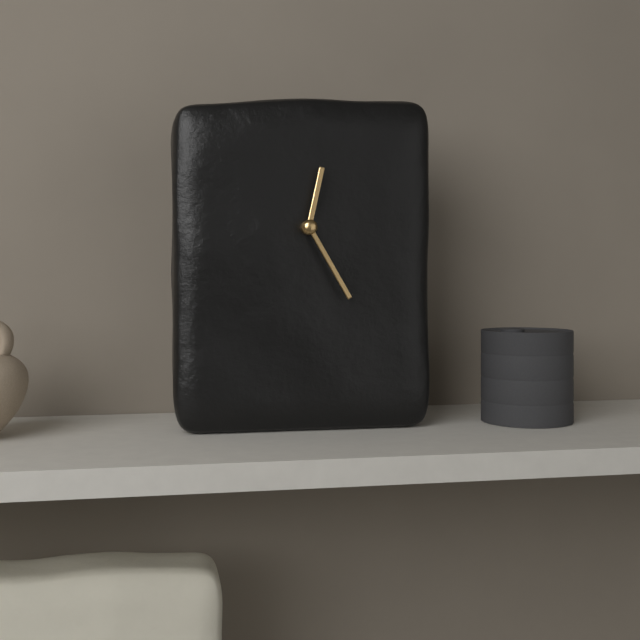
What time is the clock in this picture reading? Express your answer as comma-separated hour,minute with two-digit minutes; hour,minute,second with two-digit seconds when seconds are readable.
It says 12,25
